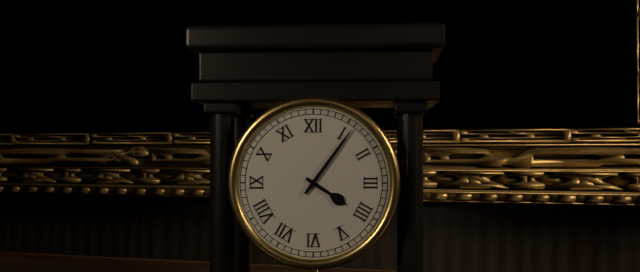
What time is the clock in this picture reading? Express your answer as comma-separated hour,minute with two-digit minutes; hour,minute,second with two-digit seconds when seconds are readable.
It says 4,06
